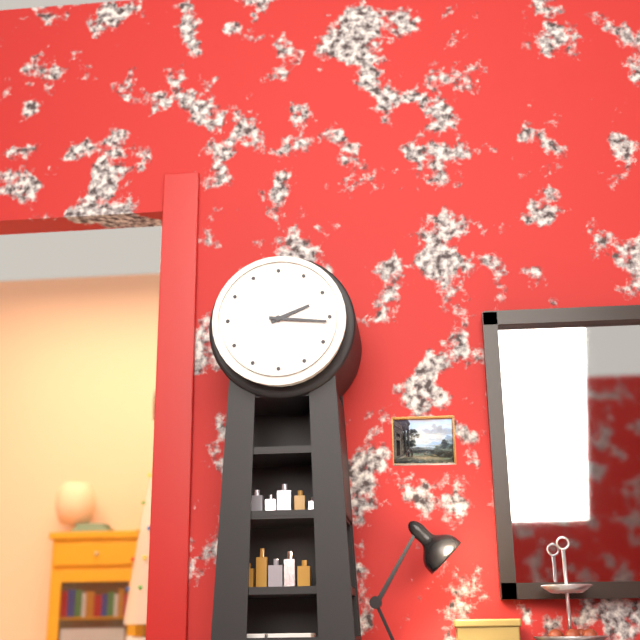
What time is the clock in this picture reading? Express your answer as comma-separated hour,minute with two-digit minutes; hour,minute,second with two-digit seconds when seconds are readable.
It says 2,16
